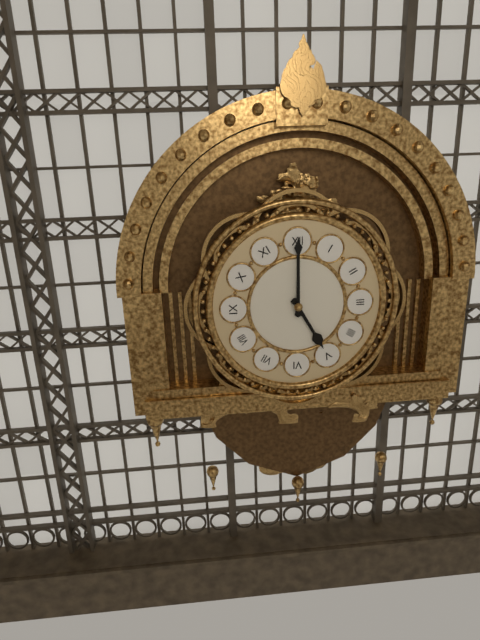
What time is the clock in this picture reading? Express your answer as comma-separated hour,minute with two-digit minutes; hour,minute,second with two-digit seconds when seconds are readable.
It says 5,00
